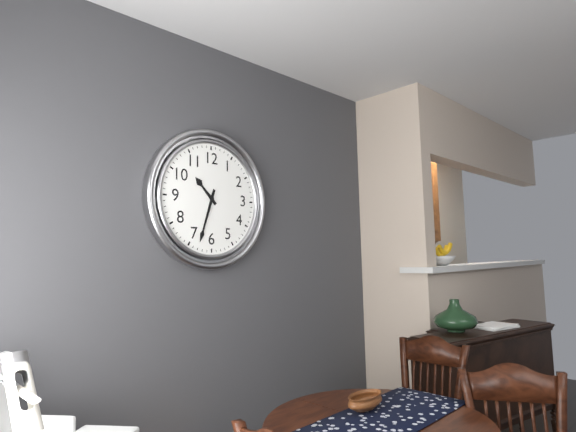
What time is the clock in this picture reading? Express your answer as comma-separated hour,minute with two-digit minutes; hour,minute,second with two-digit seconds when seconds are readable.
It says 10,33
